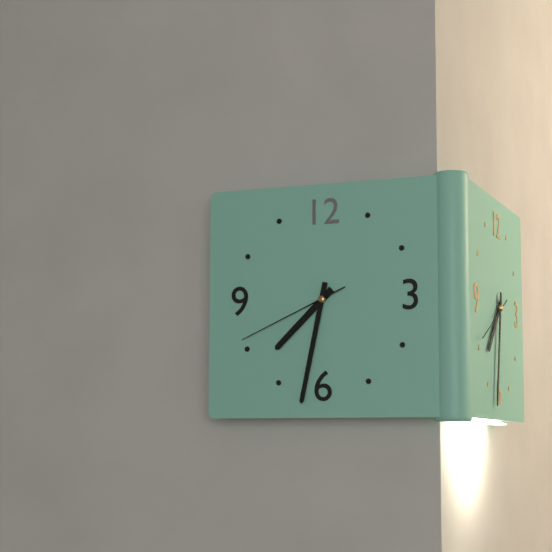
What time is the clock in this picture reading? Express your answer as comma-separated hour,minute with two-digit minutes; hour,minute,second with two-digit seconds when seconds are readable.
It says 7,32,41
